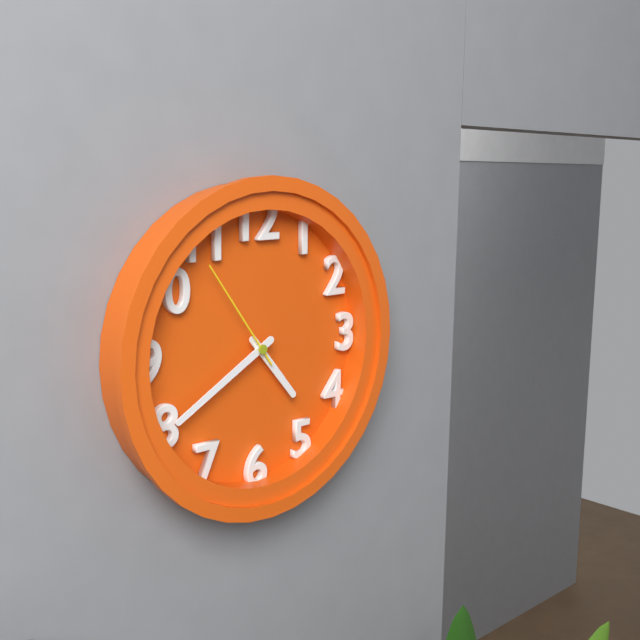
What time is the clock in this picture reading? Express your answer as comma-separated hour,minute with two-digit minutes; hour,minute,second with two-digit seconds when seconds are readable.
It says 4,40,54
